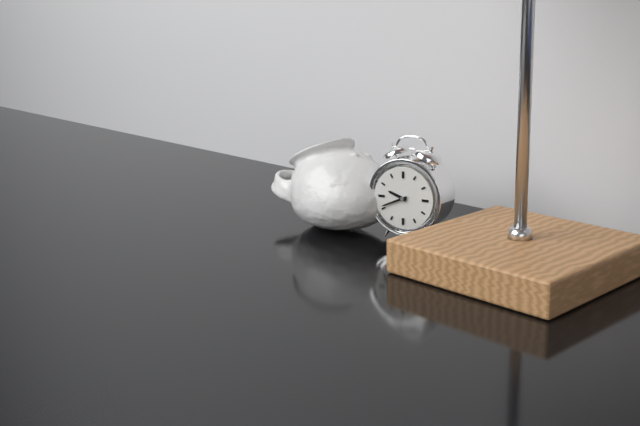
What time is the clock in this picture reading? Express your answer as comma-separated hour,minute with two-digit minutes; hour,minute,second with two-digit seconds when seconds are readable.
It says 9,41
